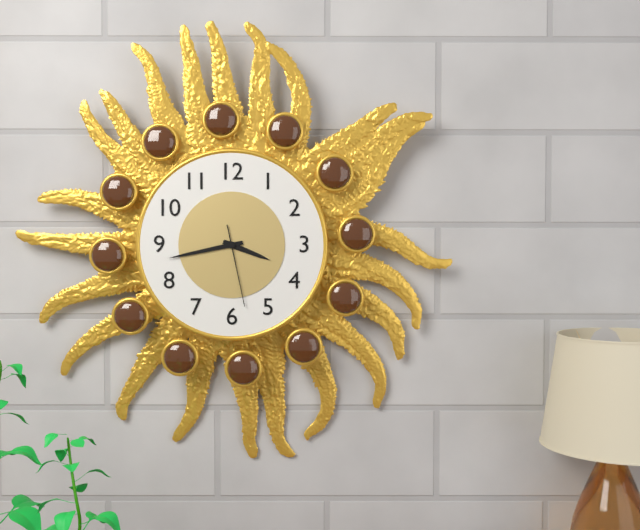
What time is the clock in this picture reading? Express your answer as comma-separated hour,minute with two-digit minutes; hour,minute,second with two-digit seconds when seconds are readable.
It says 3,43,28
